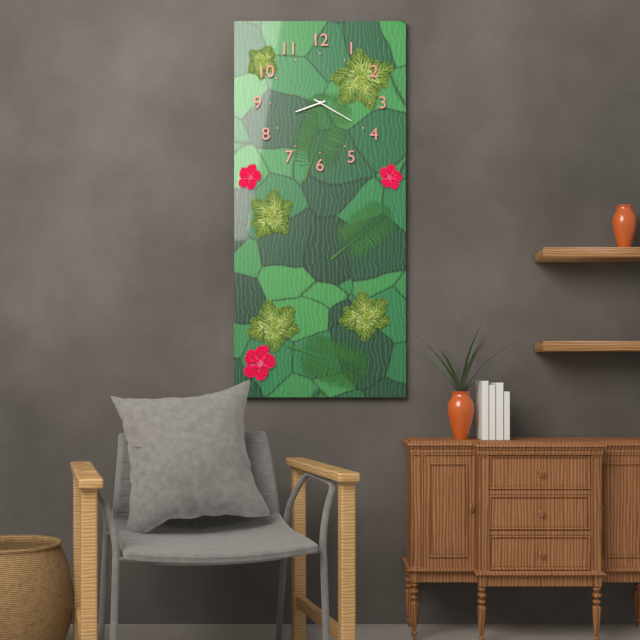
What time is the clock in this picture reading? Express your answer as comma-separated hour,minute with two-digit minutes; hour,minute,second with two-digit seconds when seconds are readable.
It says 8,20
